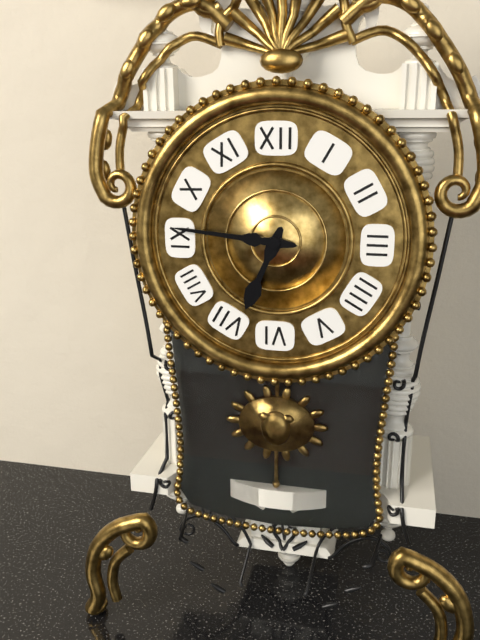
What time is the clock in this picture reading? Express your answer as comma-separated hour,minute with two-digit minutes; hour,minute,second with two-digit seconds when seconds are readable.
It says 6,46
